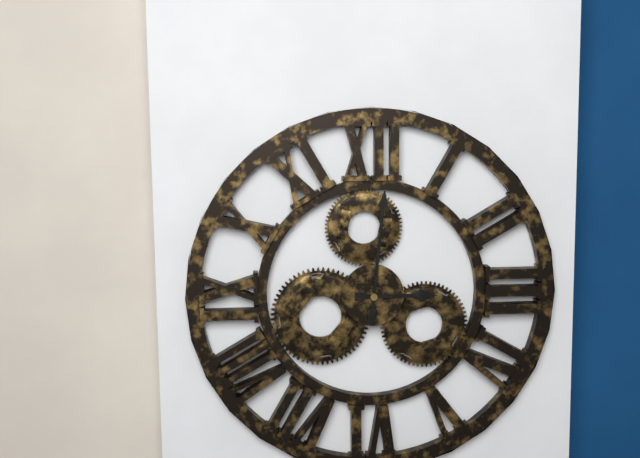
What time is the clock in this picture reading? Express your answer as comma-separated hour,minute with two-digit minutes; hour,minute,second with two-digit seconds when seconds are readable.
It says 3,01
